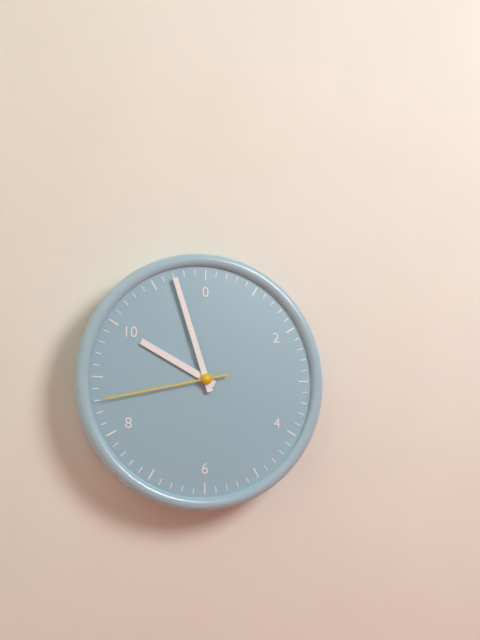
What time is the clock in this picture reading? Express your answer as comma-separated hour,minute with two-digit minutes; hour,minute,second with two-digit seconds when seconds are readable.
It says 9,57,43
